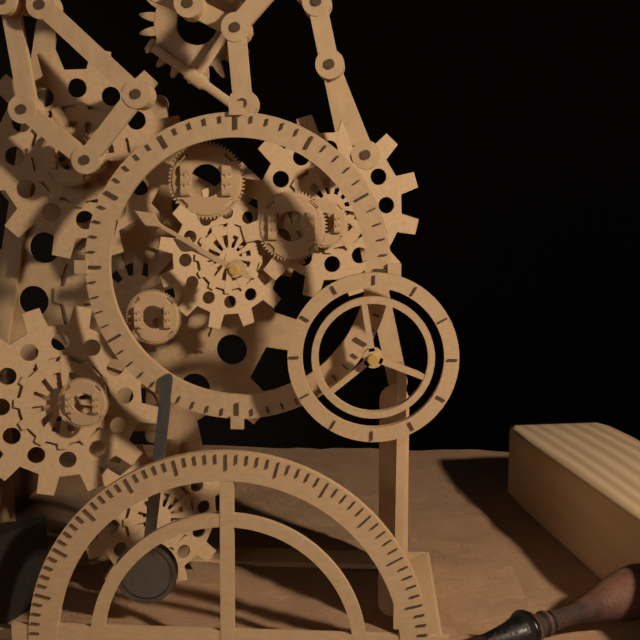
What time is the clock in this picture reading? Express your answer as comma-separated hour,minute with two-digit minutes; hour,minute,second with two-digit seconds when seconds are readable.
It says 9,50
